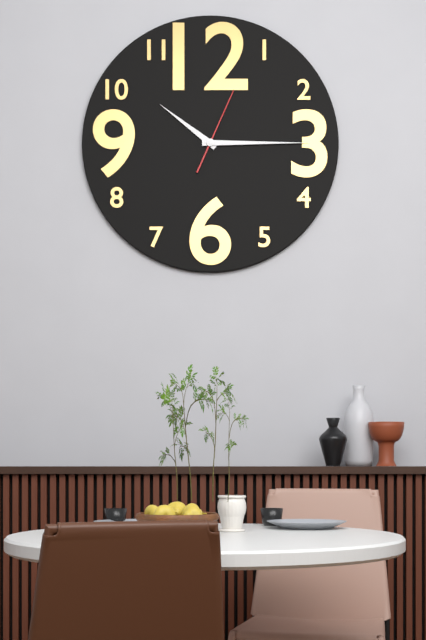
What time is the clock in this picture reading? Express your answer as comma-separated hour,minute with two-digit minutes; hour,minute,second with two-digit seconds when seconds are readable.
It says 10,15,04
